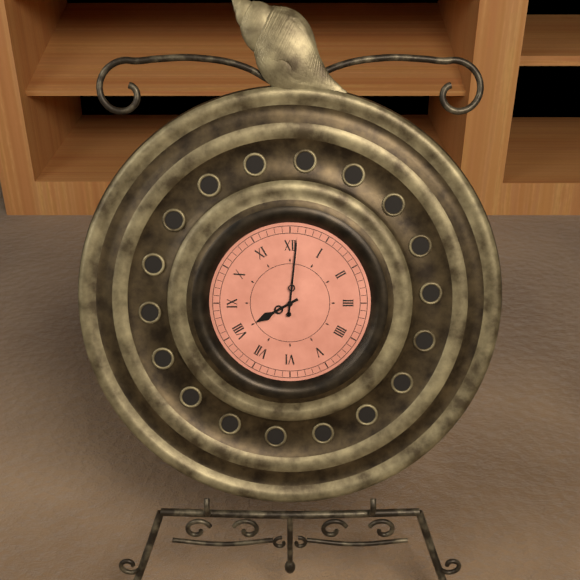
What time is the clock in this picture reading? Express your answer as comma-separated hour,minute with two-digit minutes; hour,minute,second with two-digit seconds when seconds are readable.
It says 8,01
